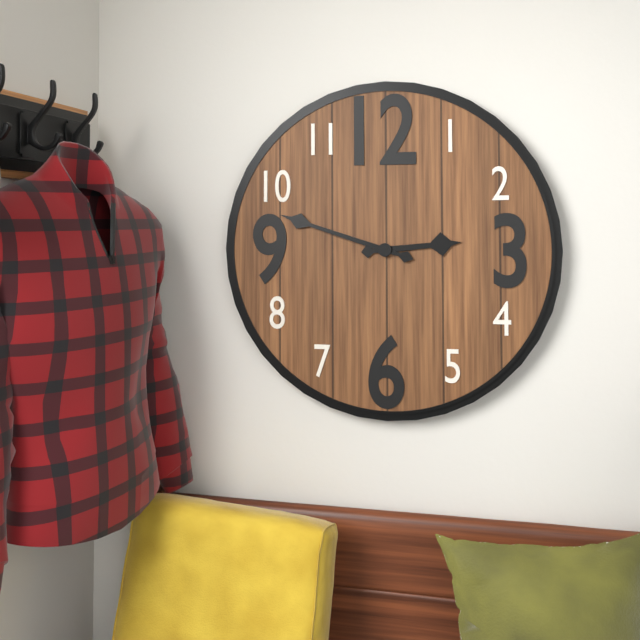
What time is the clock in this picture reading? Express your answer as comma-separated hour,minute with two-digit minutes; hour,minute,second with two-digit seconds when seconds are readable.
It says 2,48
